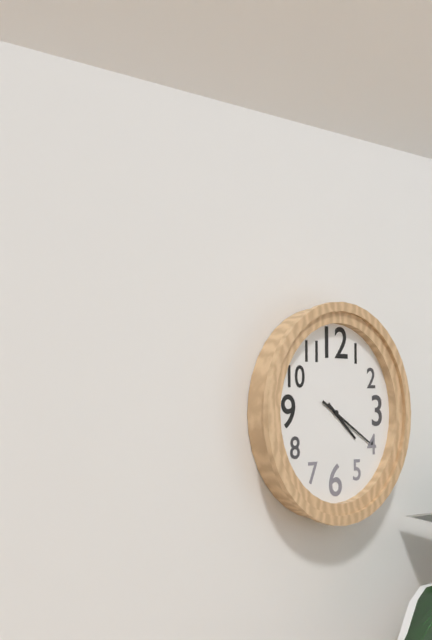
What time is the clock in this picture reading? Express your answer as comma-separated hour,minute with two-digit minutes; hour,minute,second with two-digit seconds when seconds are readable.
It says 4,20
